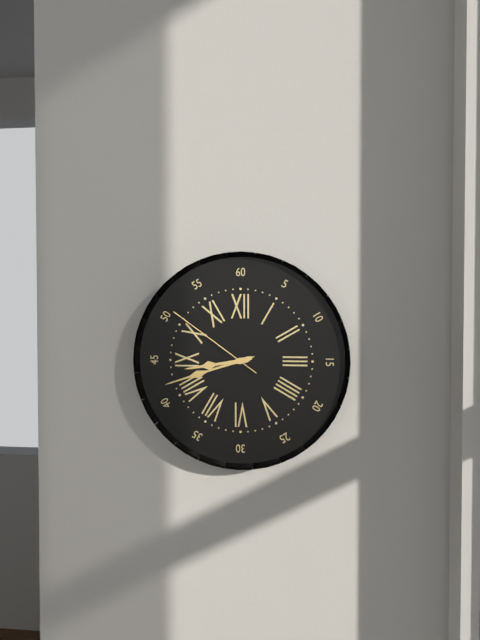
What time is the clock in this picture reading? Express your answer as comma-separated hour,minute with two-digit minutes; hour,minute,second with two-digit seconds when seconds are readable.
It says 8,42,51
